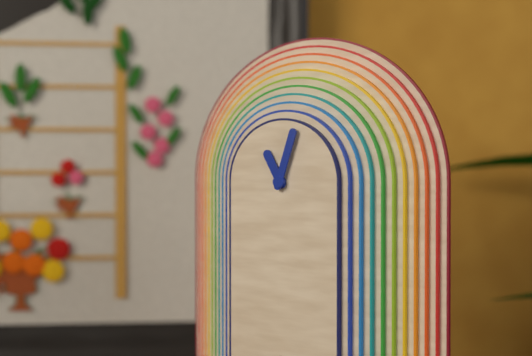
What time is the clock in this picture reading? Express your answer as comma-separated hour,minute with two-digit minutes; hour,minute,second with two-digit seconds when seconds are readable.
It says 11,03
